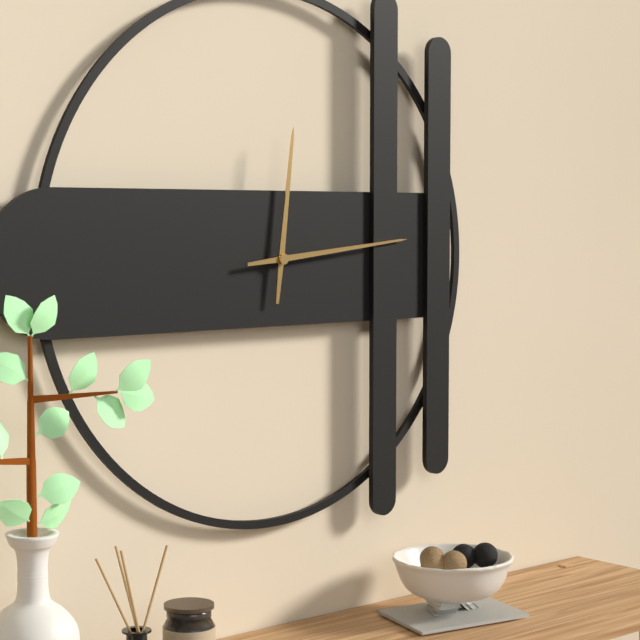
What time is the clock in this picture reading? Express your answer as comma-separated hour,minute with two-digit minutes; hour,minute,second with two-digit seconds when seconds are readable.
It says 12,14
